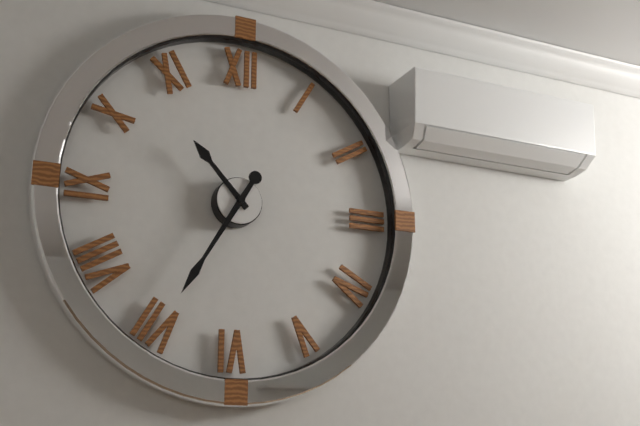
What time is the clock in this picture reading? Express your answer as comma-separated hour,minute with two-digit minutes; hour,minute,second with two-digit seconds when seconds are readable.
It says 10,35
